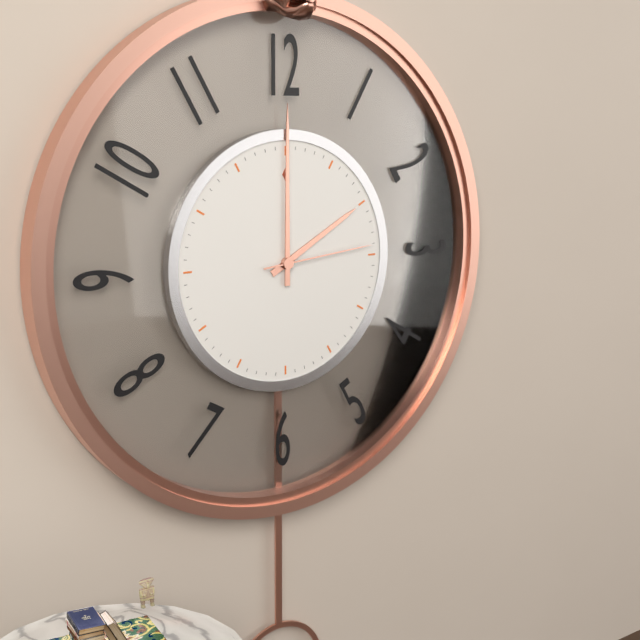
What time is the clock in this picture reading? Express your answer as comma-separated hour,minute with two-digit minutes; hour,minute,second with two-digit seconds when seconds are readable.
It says 2,00,14
